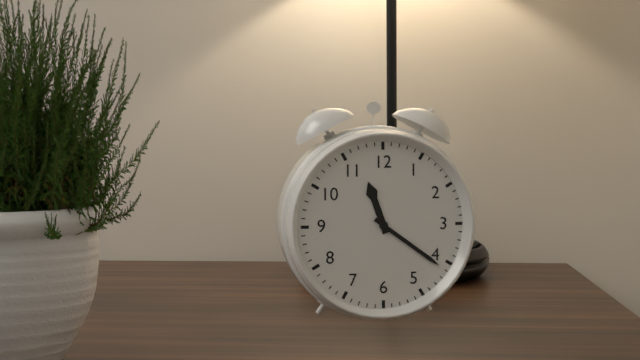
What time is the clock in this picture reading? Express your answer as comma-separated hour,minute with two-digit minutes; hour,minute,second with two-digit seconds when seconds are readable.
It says 11,21
